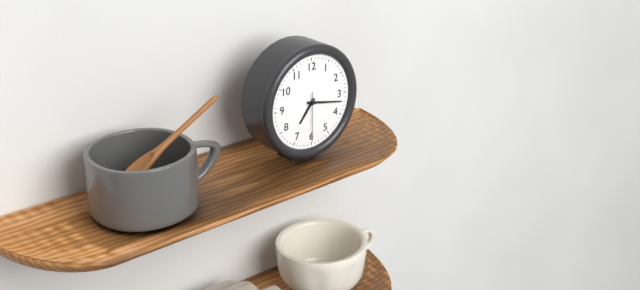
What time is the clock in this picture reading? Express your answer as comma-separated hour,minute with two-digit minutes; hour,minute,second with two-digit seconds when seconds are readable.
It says 7,17
